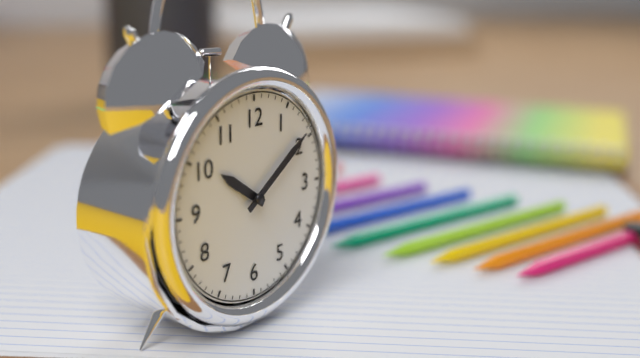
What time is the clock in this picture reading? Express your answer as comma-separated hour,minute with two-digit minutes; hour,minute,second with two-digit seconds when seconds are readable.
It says 10,09
